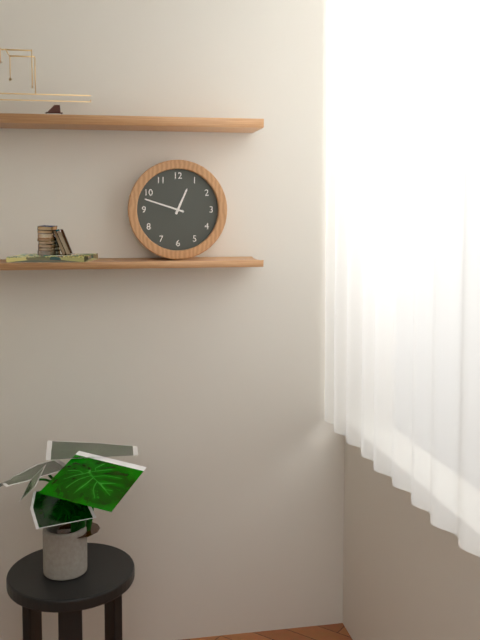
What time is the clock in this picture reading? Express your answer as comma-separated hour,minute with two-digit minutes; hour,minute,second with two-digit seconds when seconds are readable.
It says 12,48
